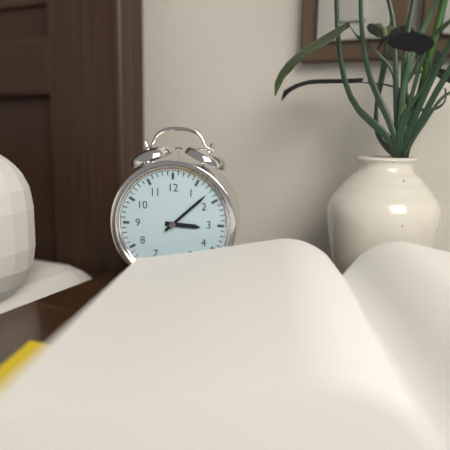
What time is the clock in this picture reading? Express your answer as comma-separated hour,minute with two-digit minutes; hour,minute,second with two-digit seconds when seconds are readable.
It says 3,08
